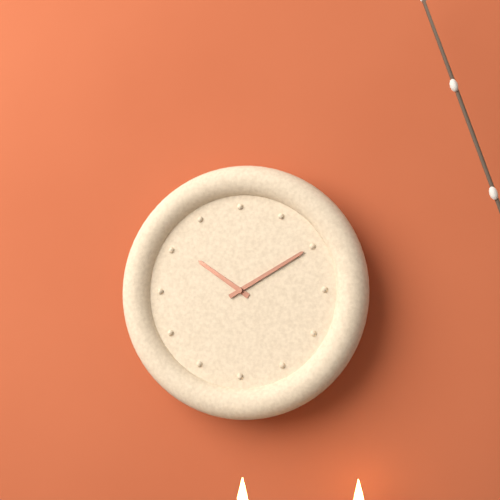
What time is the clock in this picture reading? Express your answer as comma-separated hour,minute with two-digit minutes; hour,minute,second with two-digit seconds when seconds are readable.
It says 10,10
